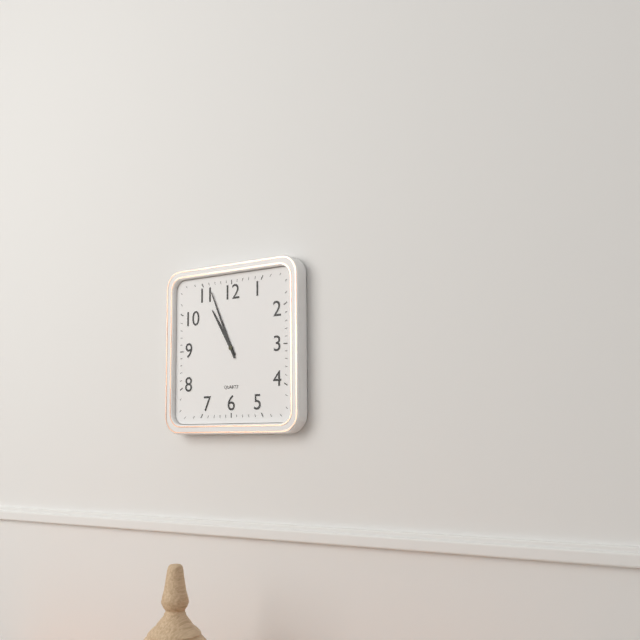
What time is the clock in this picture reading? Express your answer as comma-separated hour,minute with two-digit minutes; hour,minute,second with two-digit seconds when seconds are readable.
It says 10,56
